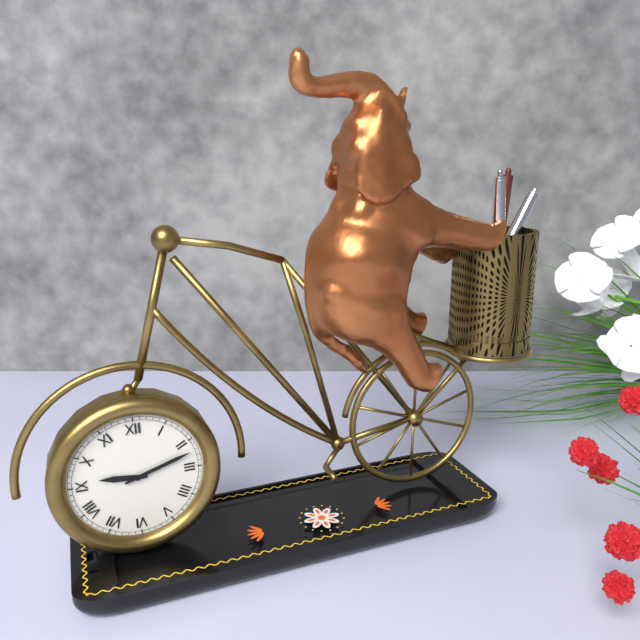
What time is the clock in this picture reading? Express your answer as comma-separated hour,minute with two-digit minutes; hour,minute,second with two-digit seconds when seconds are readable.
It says 9,12
